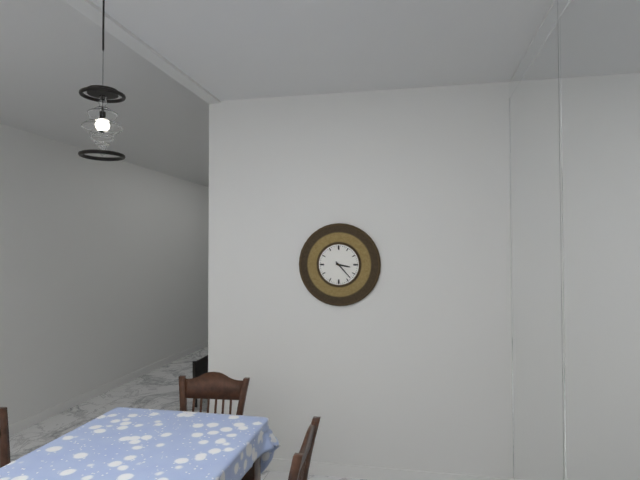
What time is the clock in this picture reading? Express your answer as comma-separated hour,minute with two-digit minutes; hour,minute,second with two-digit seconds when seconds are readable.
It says 3,23
